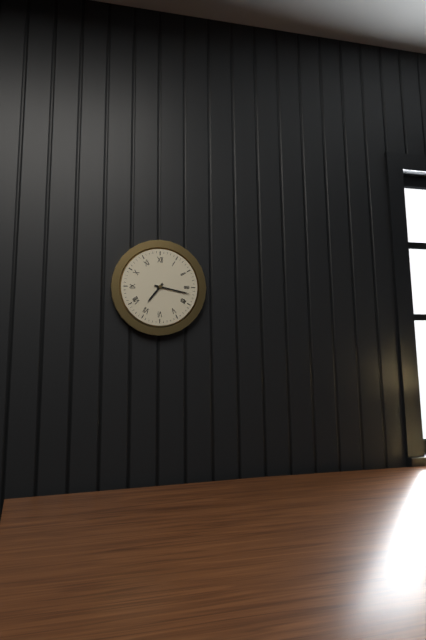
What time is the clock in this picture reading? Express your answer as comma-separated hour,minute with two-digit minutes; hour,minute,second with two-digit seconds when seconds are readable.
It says 7,17
